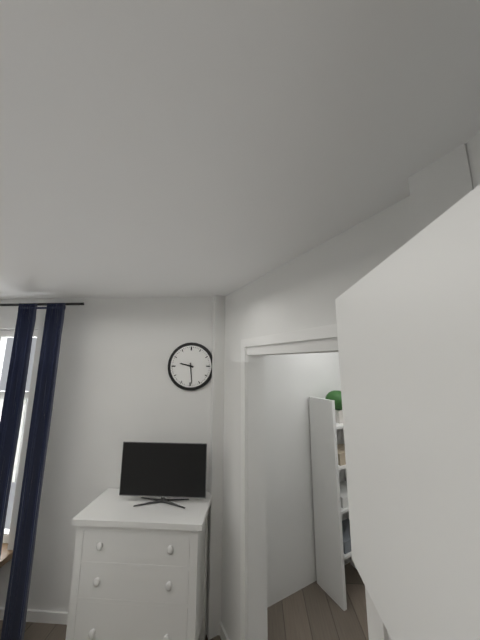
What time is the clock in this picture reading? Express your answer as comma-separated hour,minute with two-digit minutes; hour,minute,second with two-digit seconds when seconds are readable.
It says 9,29
